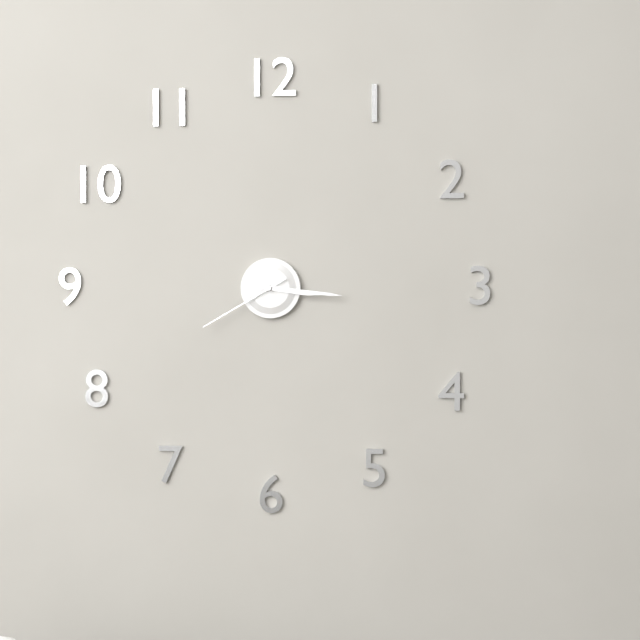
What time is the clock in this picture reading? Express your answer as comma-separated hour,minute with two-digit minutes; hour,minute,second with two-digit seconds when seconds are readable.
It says 3,16,40
